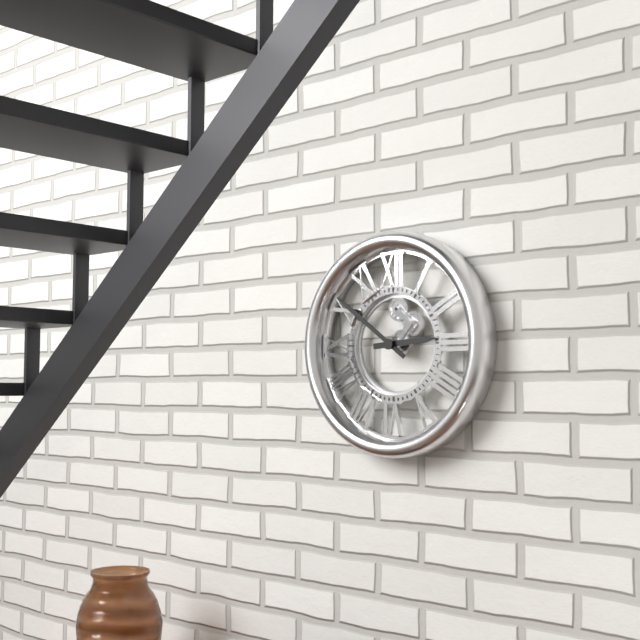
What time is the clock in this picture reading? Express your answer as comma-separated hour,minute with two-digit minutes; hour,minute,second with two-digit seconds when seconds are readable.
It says 2,51
